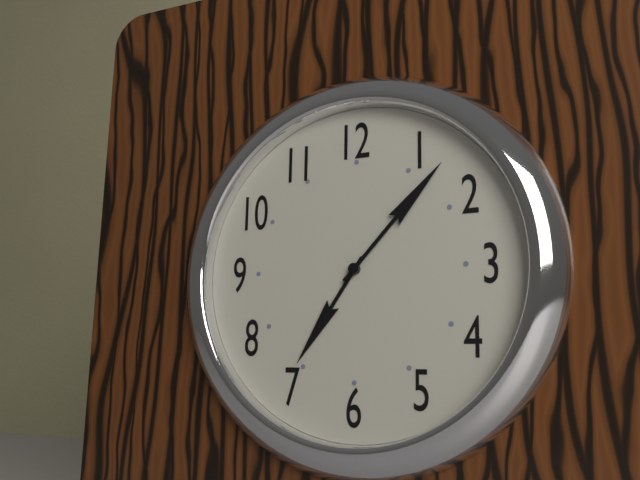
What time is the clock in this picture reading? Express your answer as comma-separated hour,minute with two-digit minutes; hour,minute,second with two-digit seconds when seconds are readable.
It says 7,07
